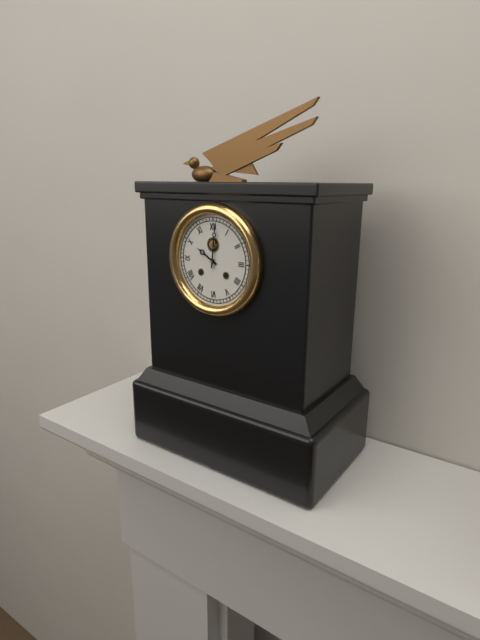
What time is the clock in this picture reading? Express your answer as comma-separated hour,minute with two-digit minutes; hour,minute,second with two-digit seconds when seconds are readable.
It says 10,01
